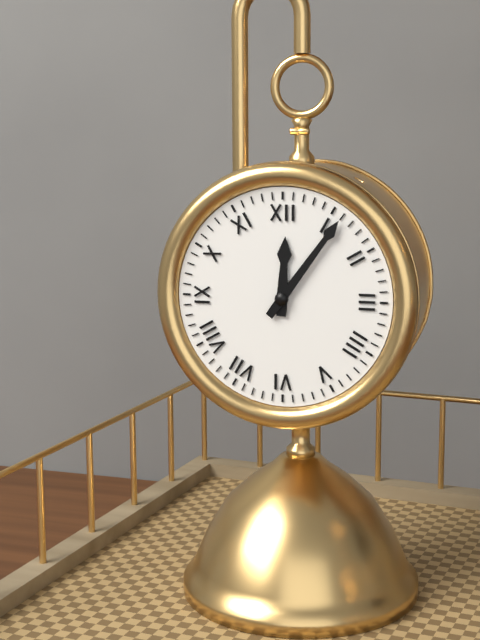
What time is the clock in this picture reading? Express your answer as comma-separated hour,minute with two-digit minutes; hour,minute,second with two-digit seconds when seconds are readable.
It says 12,06
